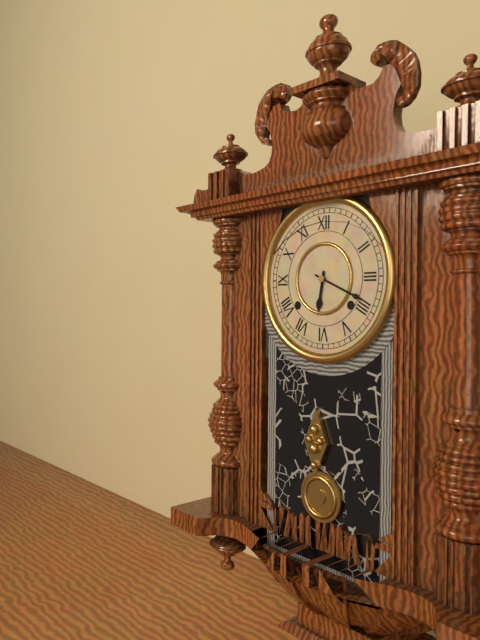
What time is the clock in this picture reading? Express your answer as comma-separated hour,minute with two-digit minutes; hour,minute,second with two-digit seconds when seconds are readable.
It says 6,19
